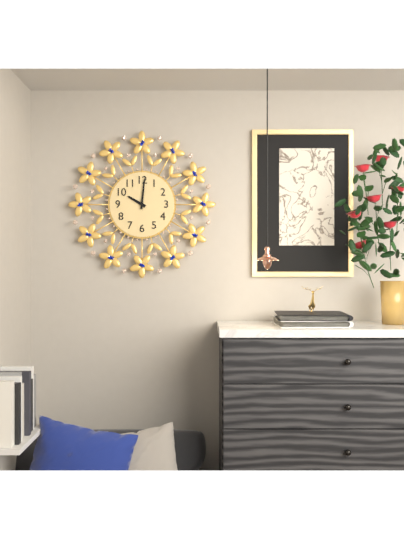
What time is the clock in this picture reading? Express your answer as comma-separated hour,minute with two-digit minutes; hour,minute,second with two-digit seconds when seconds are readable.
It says 10,01
